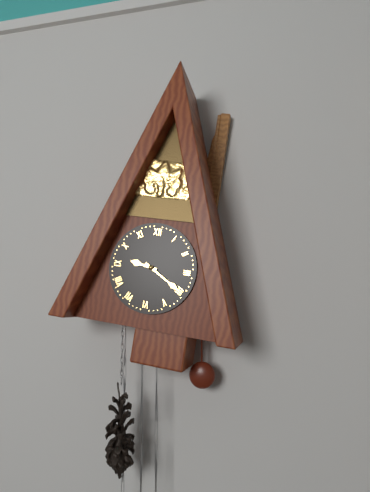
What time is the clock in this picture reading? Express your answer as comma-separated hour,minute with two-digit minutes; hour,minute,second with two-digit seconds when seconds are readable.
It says 9,20
